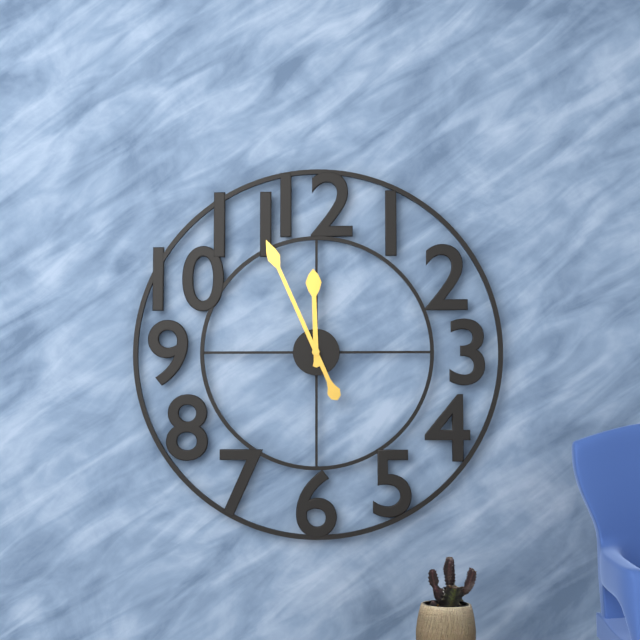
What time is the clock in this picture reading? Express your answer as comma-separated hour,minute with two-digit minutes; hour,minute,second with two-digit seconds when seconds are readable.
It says 11,56
